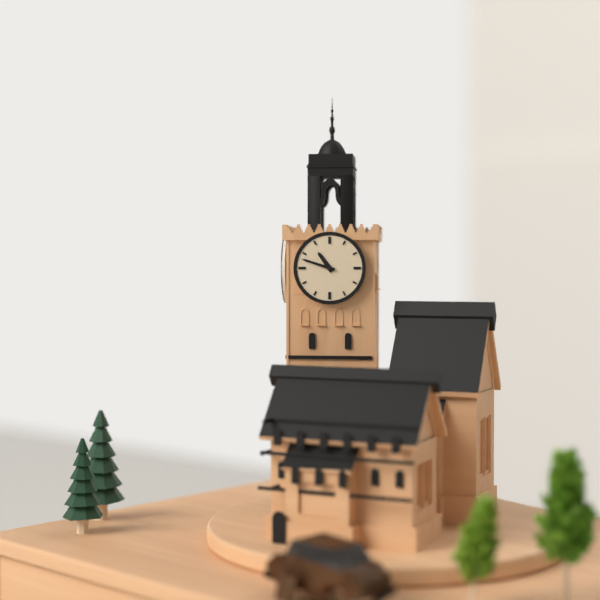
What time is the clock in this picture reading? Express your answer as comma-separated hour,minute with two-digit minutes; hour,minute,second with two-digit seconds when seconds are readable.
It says 10,48
